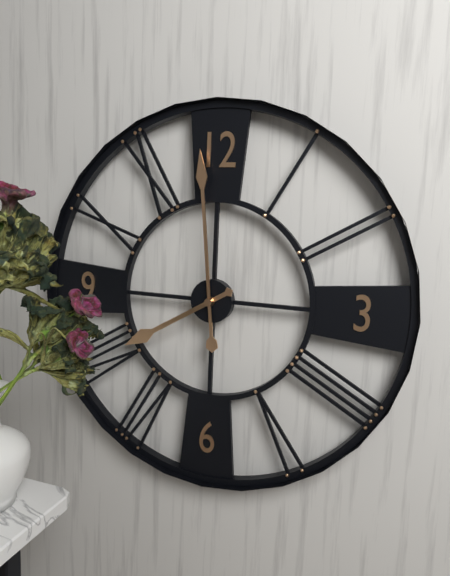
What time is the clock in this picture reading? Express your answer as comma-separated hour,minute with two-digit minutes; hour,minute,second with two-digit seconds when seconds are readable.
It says 7,59
